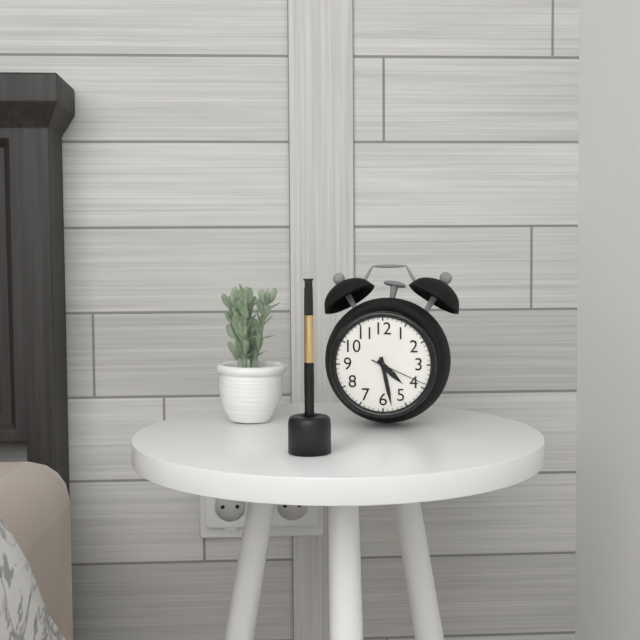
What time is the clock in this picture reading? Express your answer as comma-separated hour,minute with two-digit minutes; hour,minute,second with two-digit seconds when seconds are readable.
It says 4,28,19
